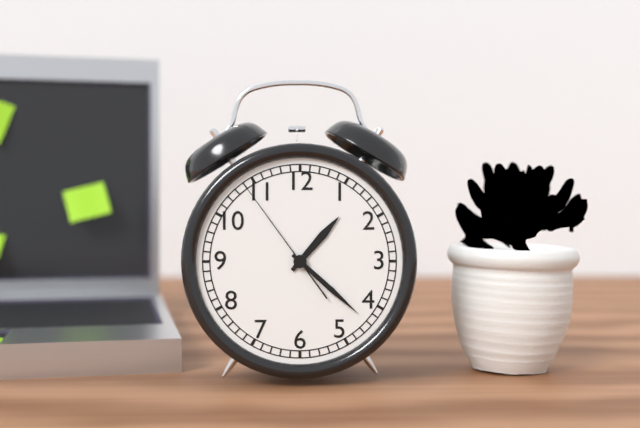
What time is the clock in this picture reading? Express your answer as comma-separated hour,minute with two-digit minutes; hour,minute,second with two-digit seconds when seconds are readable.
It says 1,22,54
